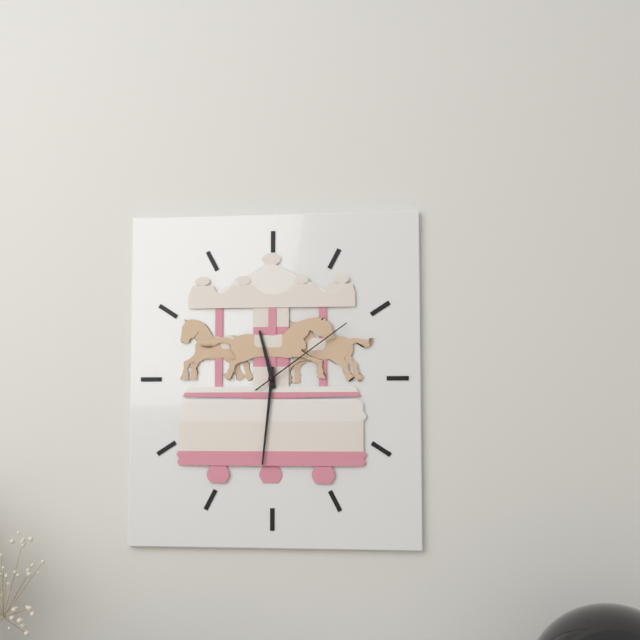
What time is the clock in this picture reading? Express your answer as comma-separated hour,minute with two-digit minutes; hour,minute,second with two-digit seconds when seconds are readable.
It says 11,31,09
